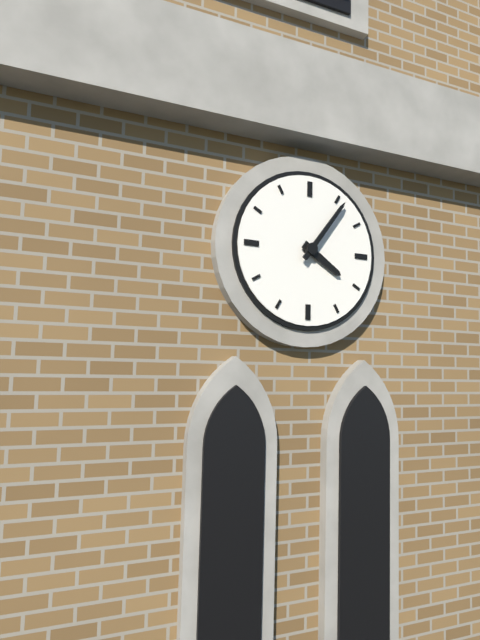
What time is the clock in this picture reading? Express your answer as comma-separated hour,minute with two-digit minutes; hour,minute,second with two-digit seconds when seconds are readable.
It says 4,06
